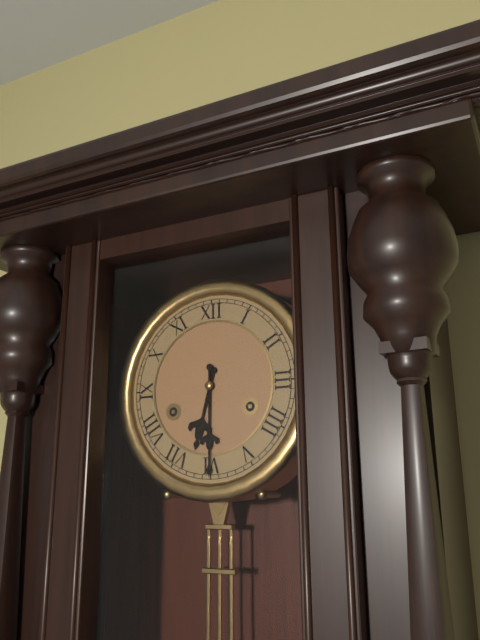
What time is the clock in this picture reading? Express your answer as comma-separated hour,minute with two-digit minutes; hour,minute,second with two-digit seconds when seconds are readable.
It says 6,30
